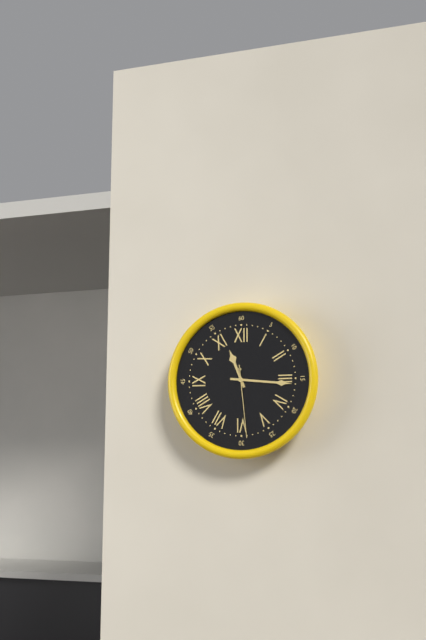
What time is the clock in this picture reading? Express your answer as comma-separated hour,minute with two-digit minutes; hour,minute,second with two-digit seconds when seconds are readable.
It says 11,16,29
